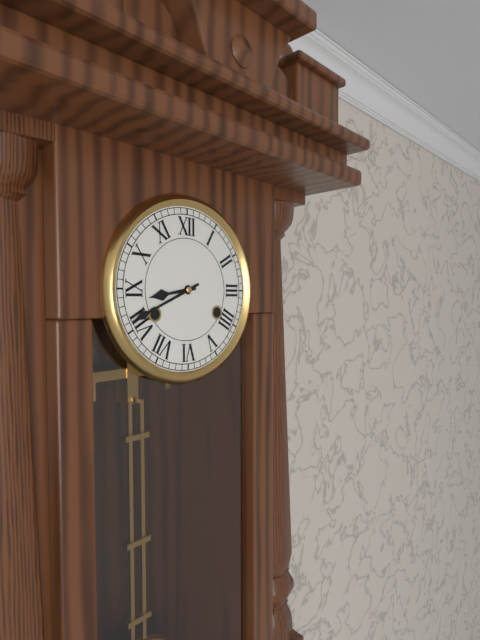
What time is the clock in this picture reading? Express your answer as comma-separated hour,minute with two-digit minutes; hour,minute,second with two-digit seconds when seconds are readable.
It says 8,41
